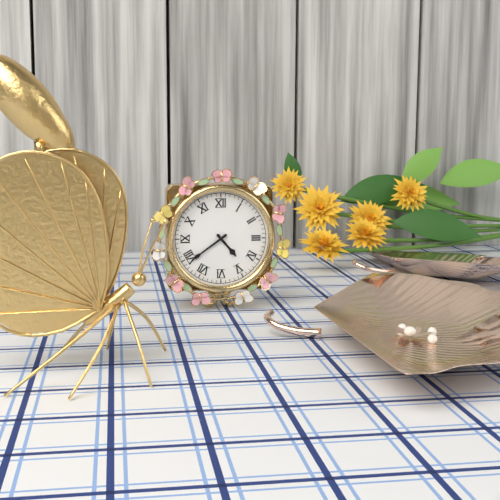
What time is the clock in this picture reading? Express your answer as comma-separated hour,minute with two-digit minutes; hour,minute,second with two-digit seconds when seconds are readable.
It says 4,39
